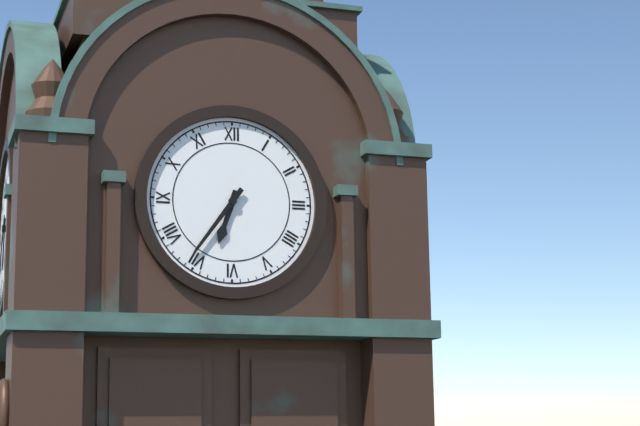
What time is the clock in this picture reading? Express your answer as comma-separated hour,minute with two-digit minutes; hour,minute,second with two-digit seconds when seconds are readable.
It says 6,36
